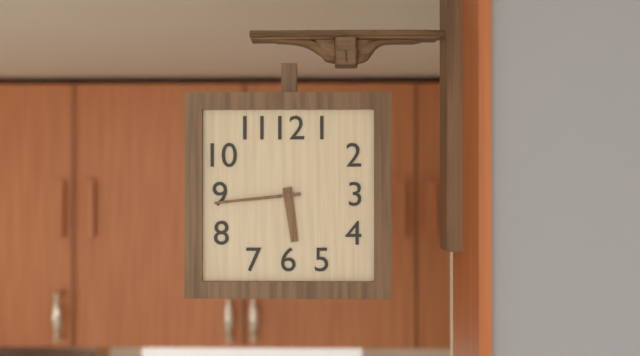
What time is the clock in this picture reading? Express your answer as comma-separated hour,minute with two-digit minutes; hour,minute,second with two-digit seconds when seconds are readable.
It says 5,44
